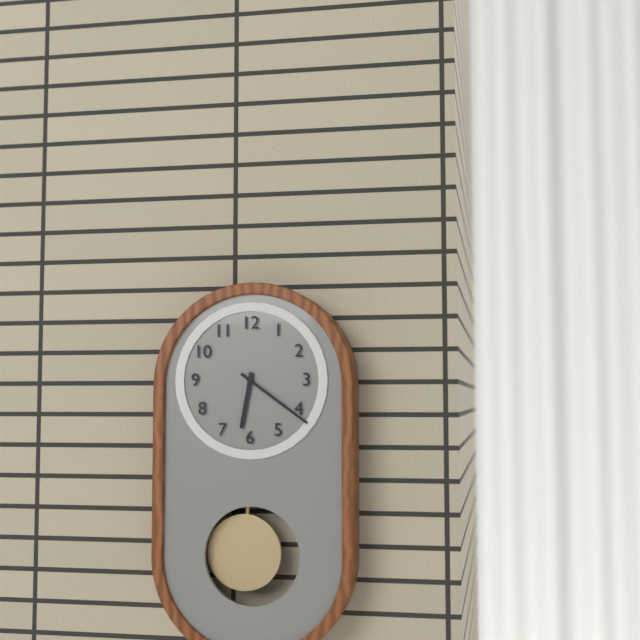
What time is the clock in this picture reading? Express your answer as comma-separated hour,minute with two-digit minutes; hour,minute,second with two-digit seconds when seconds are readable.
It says 6,21
